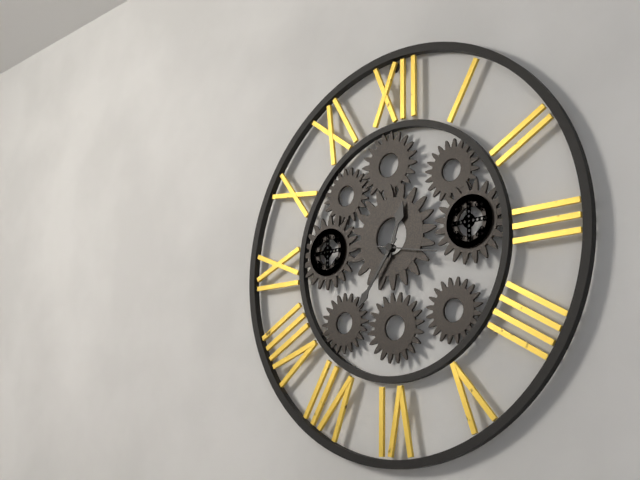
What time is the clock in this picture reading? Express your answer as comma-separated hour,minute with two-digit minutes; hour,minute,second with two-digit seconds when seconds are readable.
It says 12,36
